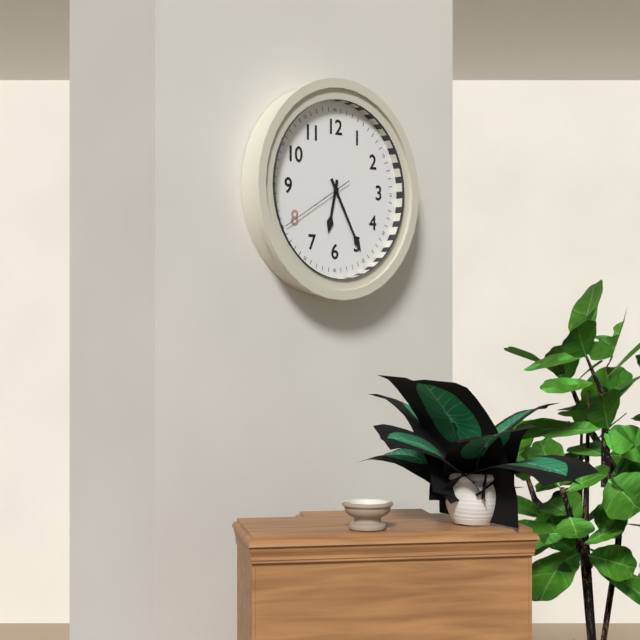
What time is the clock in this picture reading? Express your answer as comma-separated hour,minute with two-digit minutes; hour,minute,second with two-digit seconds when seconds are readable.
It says 6,25,40
